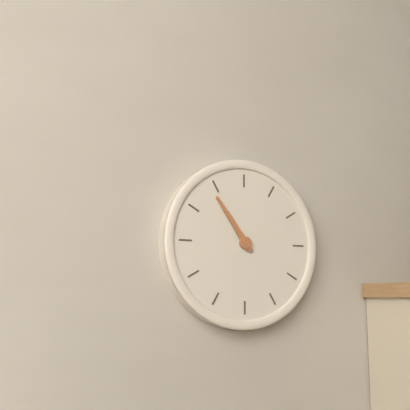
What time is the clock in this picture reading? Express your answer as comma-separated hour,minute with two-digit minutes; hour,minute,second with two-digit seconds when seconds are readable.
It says 10,54
